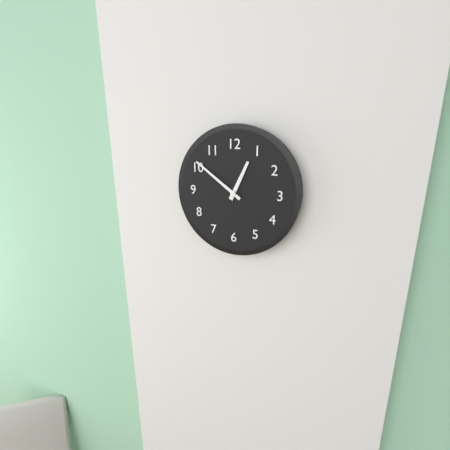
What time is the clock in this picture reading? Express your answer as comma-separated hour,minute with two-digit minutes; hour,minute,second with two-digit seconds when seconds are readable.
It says 12,51
